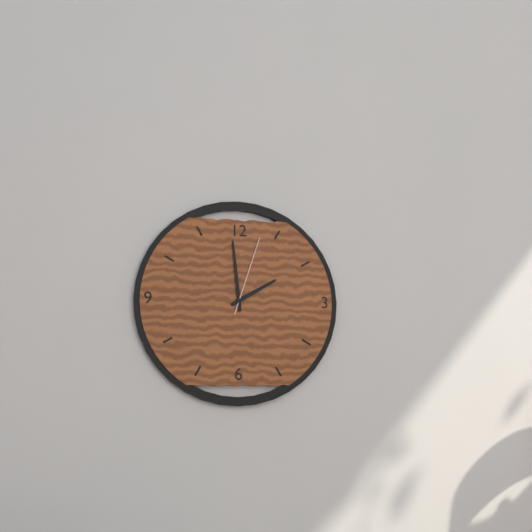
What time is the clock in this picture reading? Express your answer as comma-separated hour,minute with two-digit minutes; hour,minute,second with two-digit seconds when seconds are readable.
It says 1,59,03
